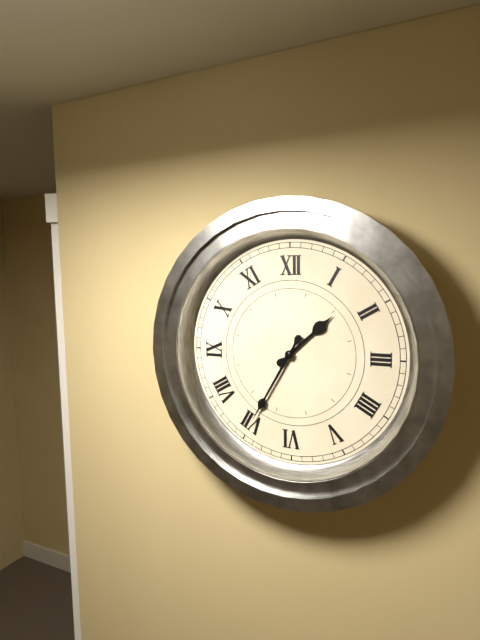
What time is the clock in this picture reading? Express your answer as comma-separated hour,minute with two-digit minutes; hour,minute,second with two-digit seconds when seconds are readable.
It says 1,35
